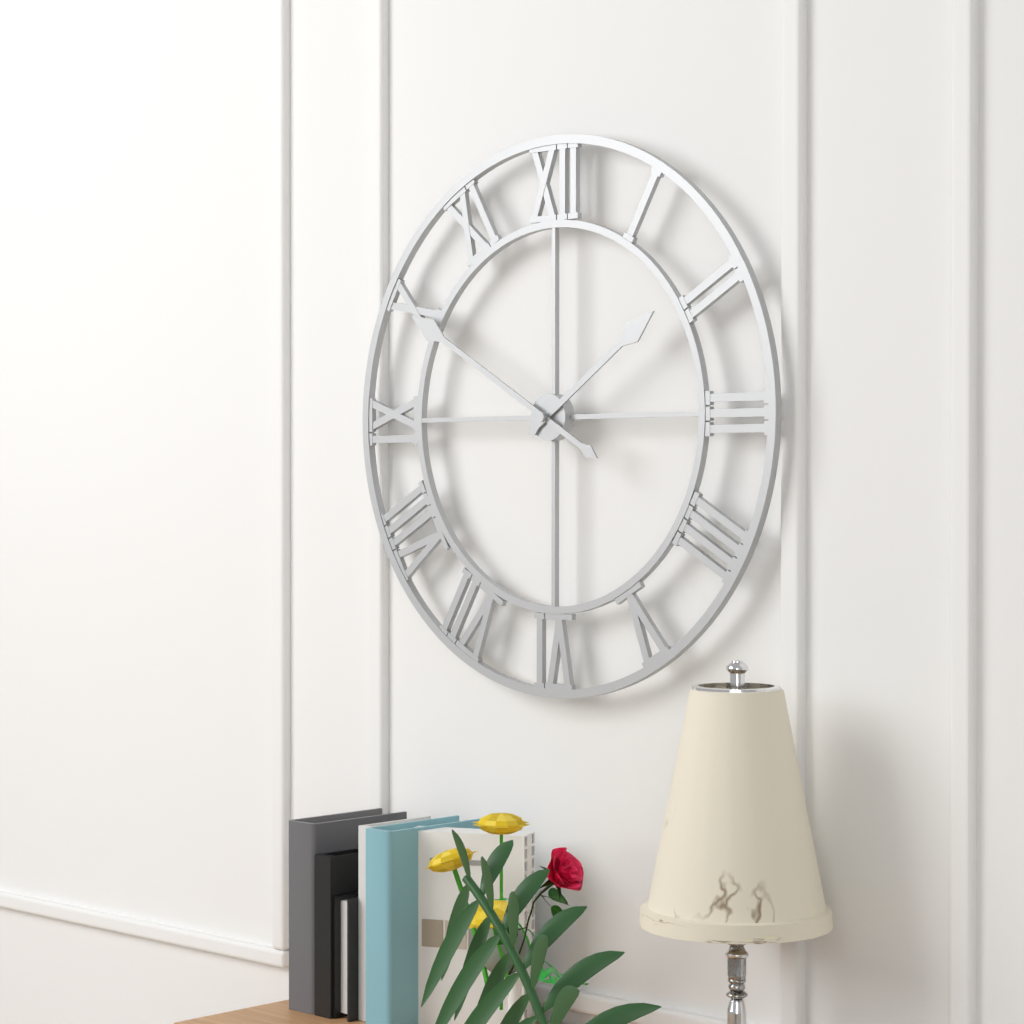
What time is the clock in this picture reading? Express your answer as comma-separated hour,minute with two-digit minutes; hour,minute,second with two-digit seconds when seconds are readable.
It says 1,50
